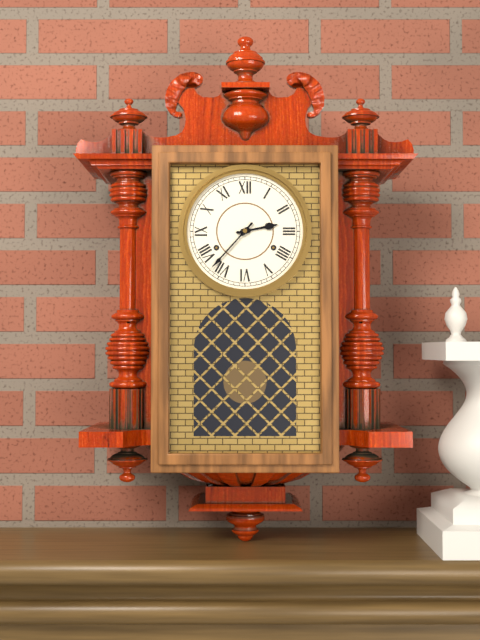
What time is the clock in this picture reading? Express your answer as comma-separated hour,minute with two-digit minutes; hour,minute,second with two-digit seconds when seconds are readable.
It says 2,37
